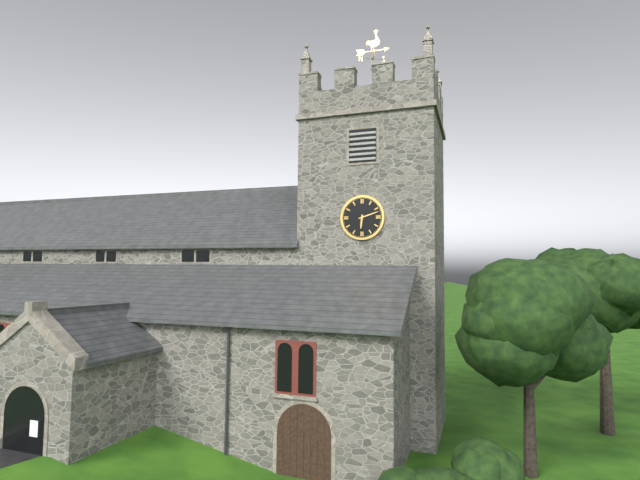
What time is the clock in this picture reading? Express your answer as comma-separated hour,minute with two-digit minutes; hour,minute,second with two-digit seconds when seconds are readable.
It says 6,12
